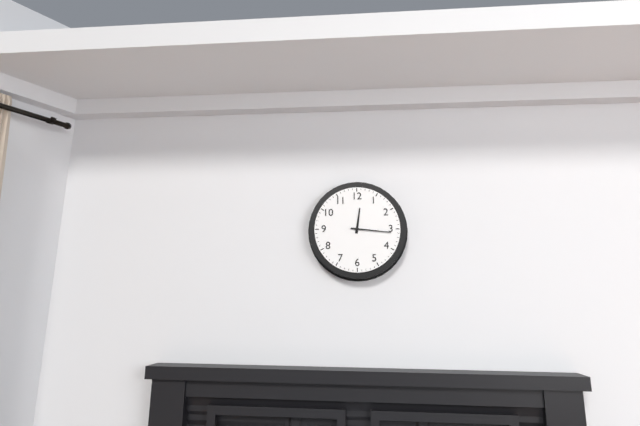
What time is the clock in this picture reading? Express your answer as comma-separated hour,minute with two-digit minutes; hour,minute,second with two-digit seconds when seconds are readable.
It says 12,16
